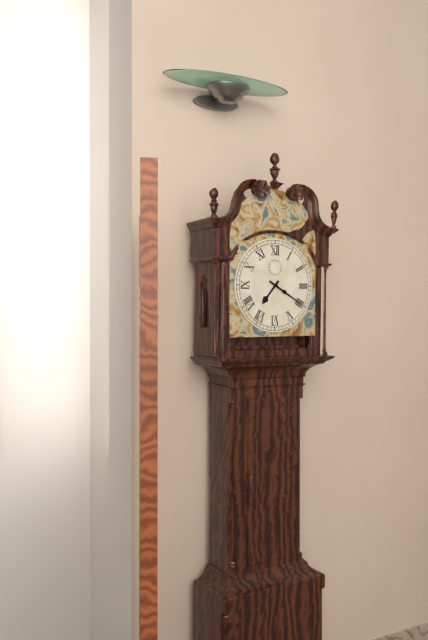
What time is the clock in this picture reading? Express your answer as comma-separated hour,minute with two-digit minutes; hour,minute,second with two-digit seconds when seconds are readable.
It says 7,20
